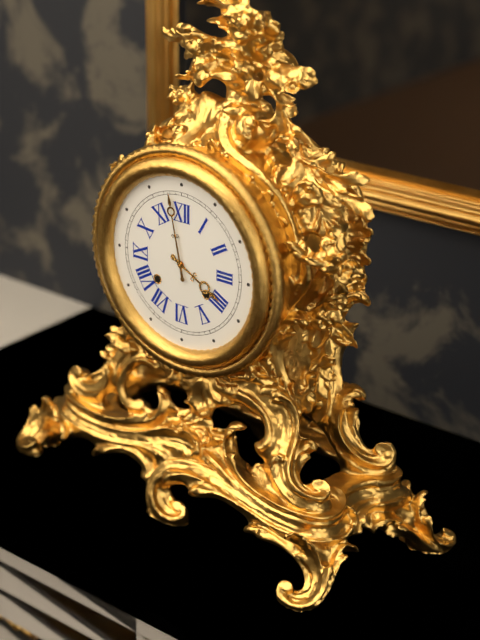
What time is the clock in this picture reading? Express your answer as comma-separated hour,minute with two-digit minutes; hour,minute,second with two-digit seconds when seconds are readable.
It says 3,58
